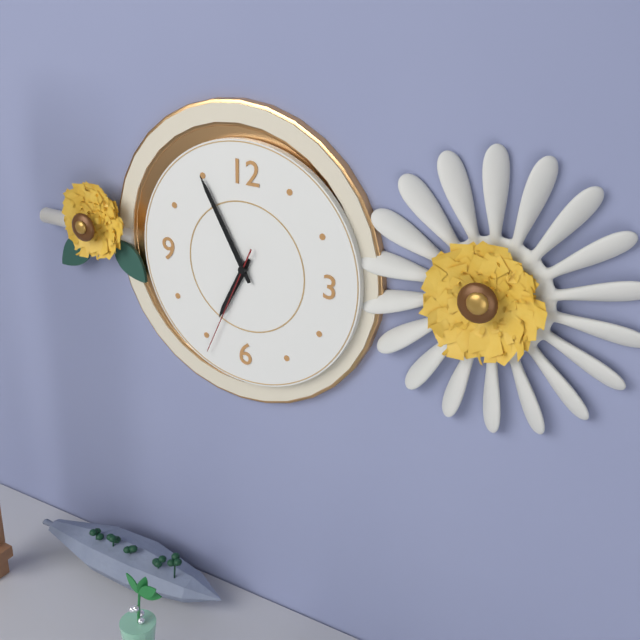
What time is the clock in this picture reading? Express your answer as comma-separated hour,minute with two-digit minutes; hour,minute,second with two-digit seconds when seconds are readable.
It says 6,55,34
